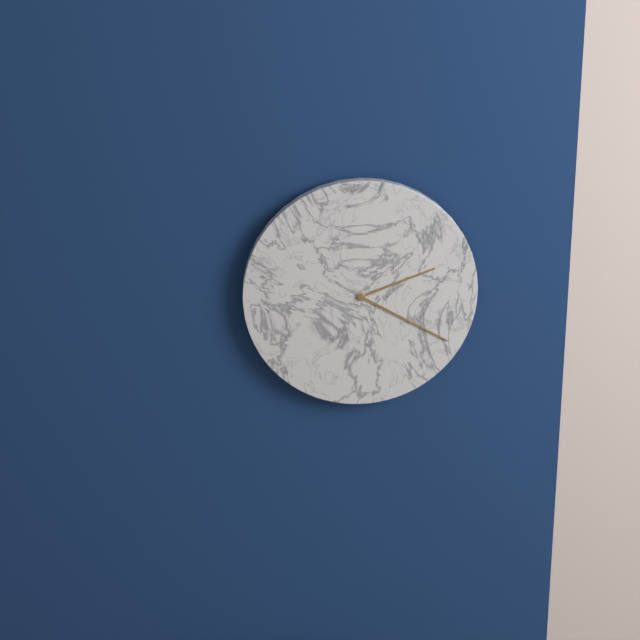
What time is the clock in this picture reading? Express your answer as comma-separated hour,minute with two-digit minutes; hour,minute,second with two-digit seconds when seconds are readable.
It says 2,20
